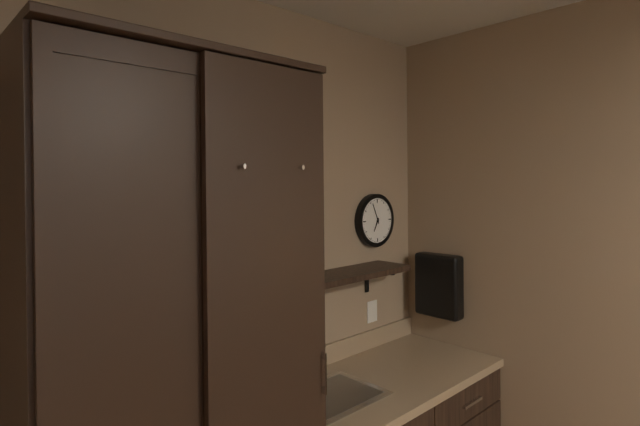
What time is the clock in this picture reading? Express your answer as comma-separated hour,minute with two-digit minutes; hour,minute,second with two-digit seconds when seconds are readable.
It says 6,56
